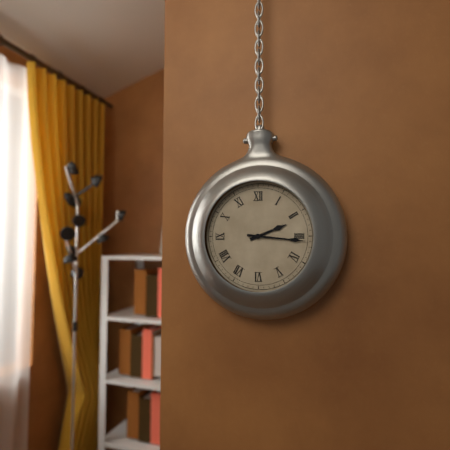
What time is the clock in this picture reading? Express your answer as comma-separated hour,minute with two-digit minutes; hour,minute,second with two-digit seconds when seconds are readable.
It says 2,16
